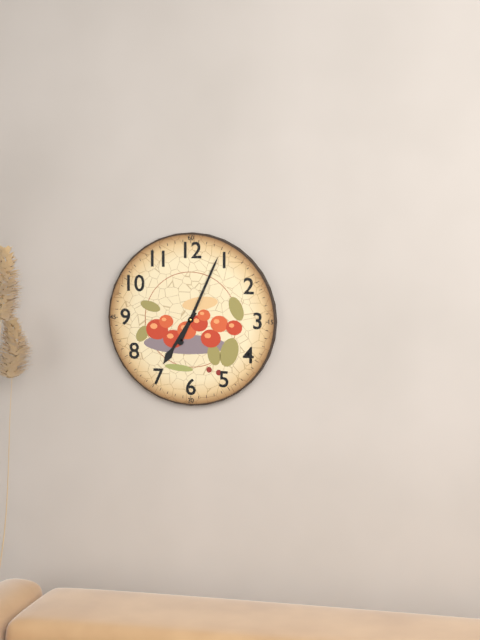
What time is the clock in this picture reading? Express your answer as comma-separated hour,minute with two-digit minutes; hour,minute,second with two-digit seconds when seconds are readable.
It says 7,04
